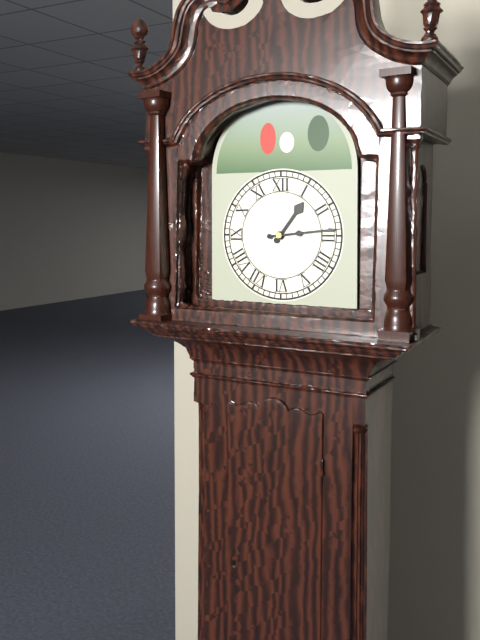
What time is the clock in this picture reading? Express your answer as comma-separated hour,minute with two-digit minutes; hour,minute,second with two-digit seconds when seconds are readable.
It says 1,14
